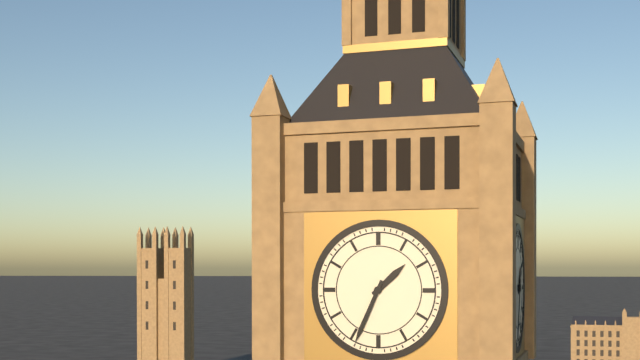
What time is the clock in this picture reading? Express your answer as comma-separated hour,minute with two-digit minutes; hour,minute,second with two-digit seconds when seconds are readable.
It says 1,34
